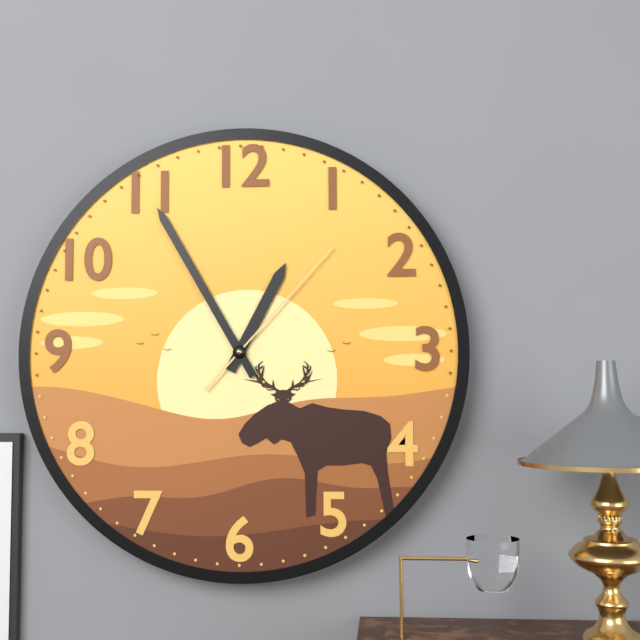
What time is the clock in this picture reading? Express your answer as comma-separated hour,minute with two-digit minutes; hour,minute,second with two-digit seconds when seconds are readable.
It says 12,55,07
